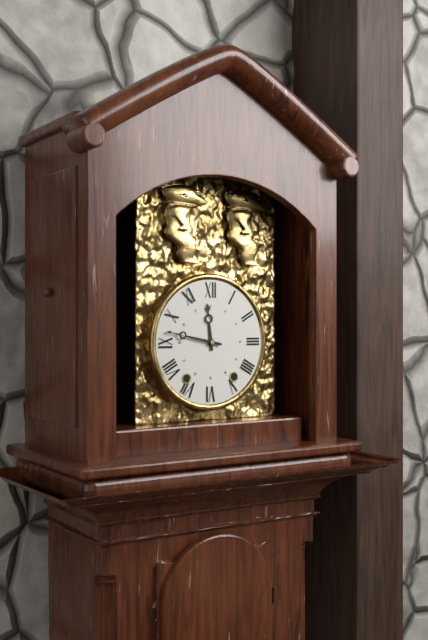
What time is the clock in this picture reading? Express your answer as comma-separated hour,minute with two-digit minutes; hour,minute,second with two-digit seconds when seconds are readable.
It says 11,47
